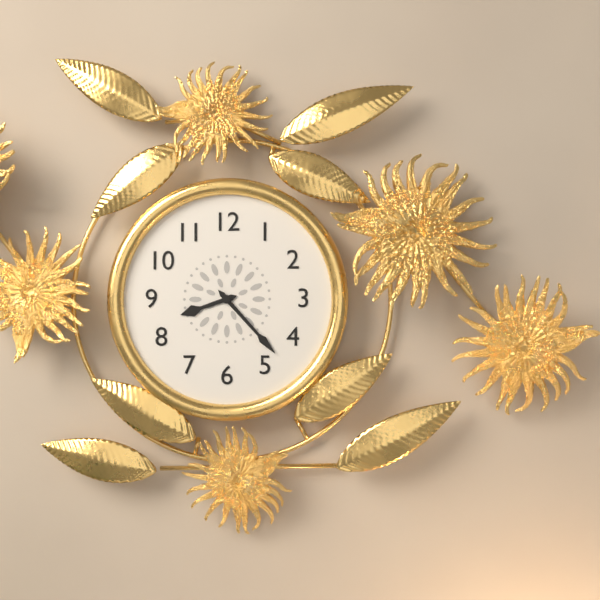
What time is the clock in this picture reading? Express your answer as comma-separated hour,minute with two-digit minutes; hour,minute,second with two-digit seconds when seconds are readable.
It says 8,23
